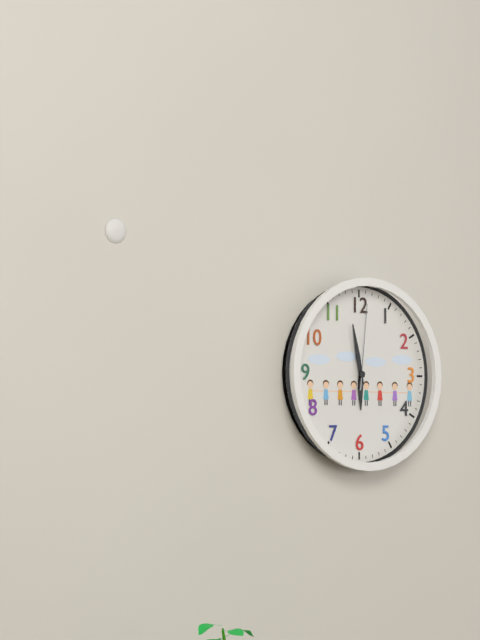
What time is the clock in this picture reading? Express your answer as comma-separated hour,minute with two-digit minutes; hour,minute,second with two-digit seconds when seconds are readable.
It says 5,58,01
